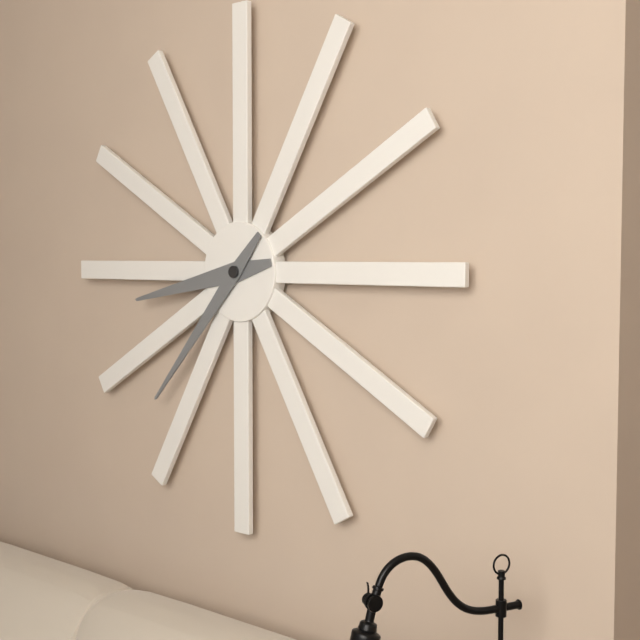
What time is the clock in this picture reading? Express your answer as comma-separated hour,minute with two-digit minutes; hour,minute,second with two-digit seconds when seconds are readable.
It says 8,37
